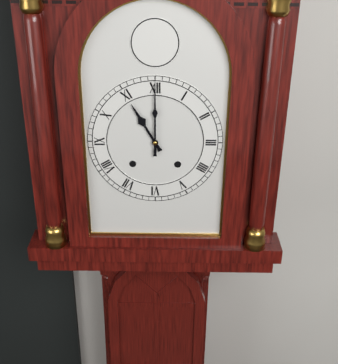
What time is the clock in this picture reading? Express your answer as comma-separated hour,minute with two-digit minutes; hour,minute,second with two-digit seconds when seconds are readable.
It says 11,00
